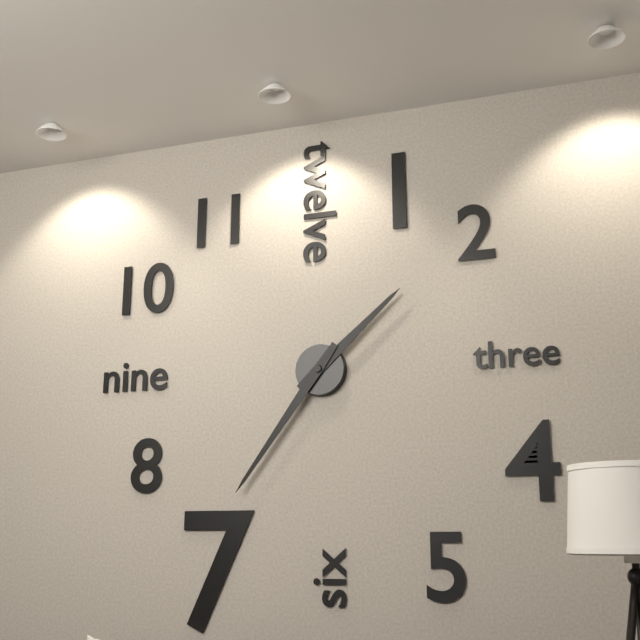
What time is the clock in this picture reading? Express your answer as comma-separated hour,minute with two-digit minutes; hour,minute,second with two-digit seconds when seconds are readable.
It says 1,36
